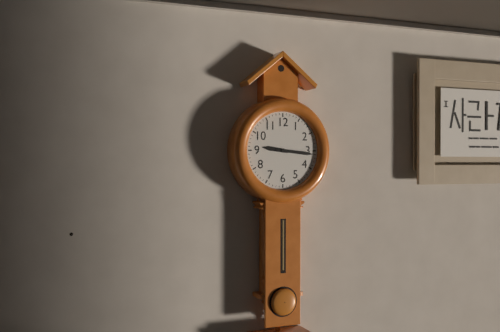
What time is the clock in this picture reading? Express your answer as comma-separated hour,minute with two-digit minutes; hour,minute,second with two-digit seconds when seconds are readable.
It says 9,16
